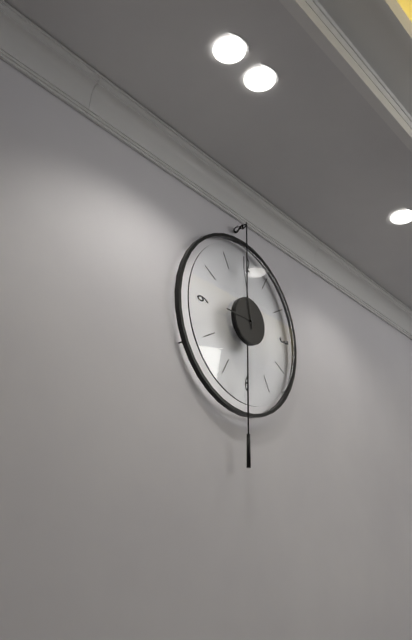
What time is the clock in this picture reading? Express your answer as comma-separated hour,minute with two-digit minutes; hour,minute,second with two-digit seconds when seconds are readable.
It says 8,58
